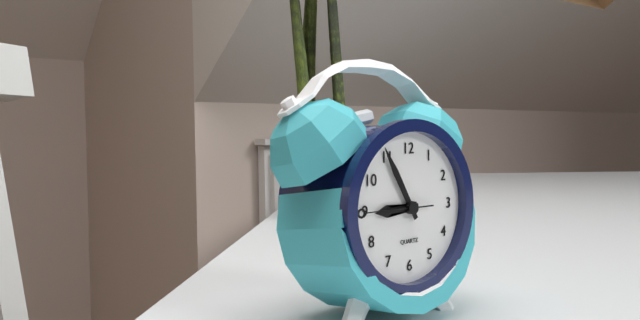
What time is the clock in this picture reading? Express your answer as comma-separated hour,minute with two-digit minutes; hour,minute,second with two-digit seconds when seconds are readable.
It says 8,55,45
